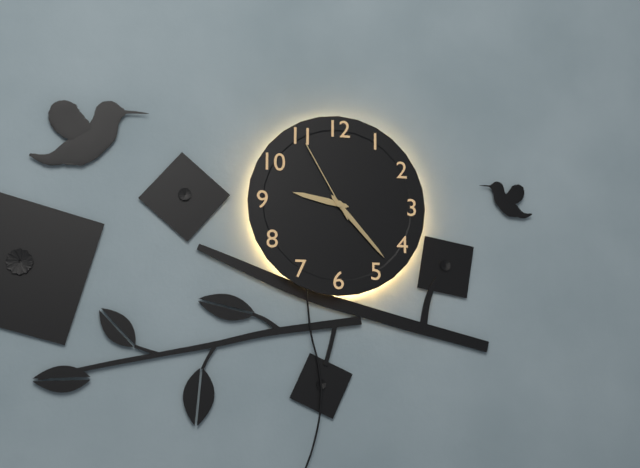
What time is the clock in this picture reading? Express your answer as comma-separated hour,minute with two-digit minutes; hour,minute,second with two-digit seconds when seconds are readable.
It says 9,23,55
